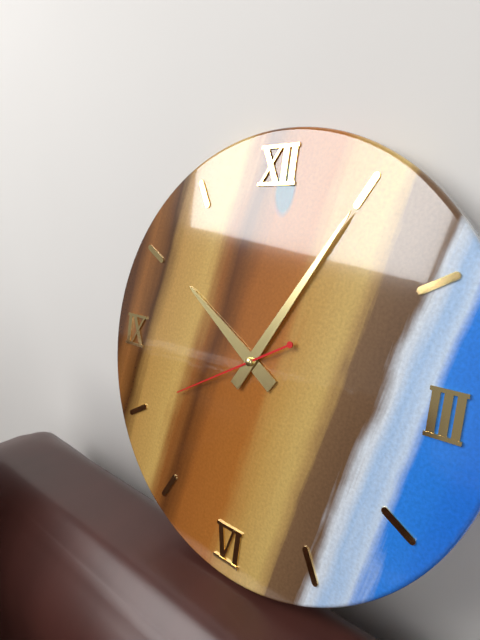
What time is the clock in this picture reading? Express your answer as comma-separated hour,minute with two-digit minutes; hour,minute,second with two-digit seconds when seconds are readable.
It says 10,05,40
